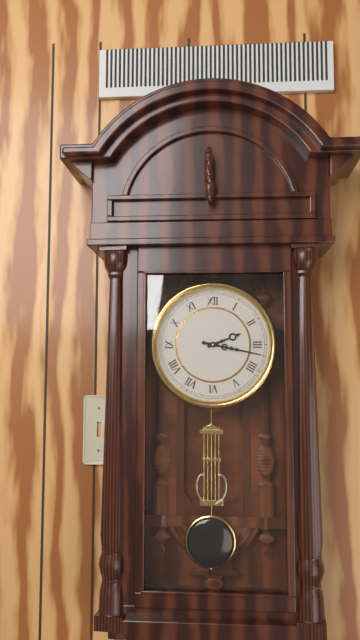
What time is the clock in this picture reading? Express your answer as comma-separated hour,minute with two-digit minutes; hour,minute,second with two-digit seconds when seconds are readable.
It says 2,17
